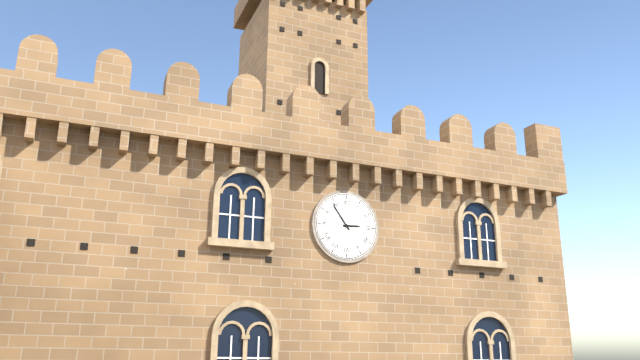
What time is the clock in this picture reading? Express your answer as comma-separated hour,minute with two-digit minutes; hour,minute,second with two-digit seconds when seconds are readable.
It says 2,54
